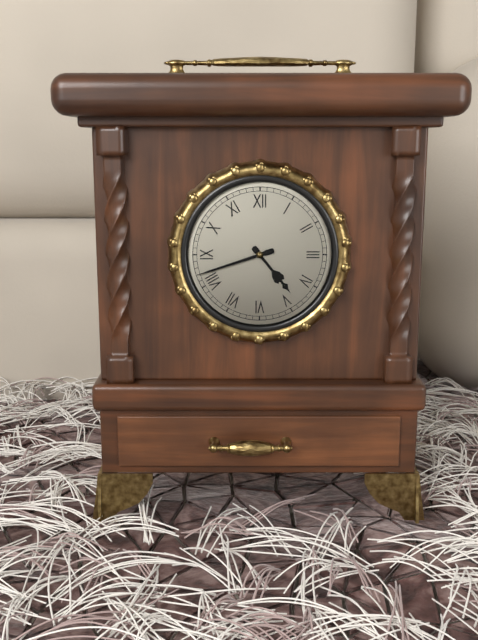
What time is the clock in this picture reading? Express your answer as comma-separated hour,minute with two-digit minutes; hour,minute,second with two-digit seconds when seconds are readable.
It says 4,42
